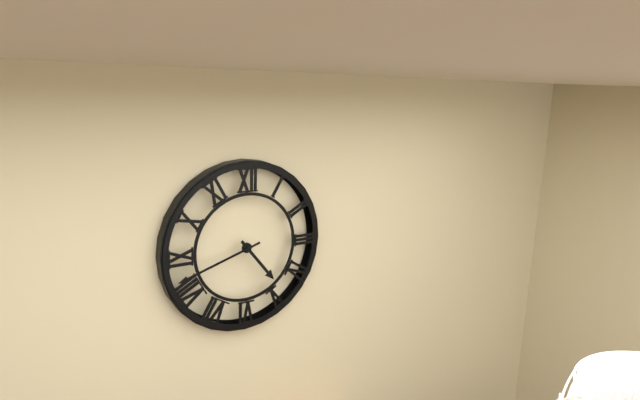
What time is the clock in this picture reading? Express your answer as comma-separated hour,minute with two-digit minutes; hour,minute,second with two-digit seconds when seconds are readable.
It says 4,42
